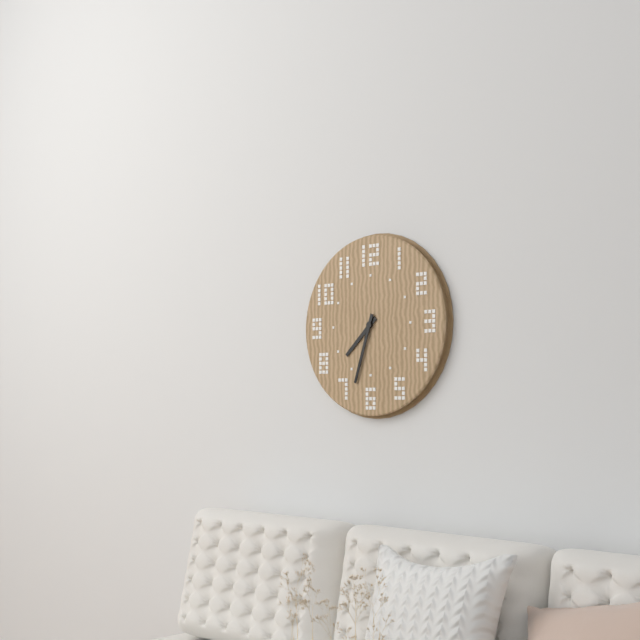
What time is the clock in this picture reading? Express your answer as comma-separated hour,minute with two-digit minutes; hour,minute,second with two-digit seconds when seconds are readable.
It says 7,33
